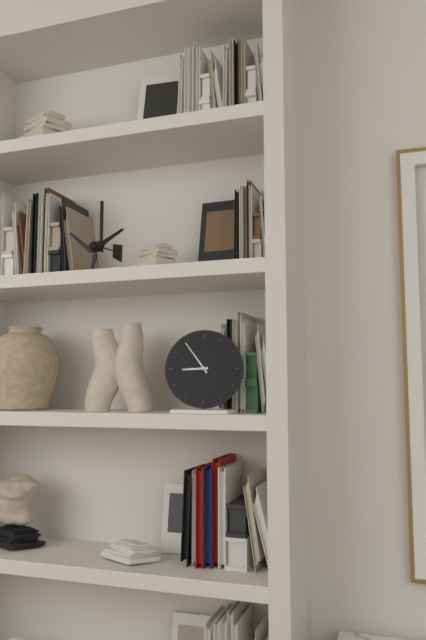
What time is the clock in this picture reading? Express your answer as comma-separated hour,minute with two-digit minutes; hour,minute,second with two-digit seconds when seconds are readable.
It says 8,54
